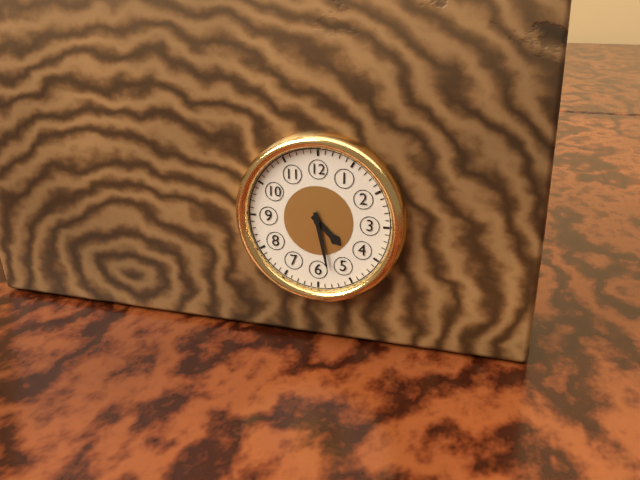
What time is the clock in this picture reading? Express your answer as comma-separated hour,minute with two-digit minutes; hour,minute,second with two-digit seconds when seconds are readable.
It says 4,28
